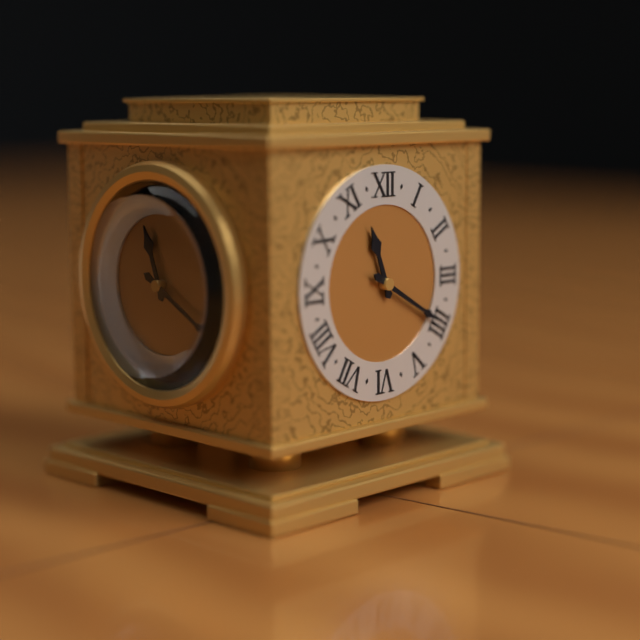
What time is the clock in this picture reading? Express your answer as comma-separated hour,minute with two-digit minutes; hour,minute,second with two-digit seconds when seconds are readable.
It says 11,20
